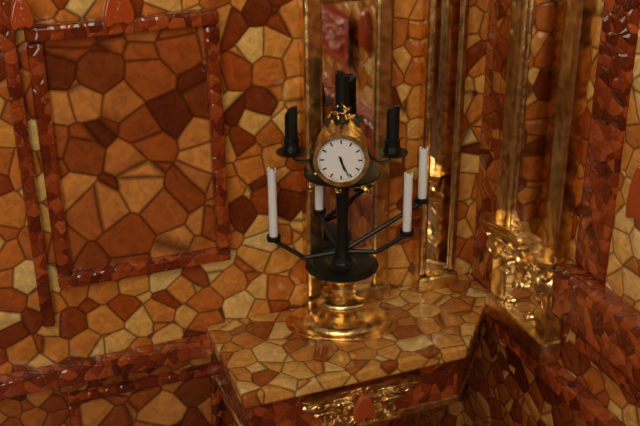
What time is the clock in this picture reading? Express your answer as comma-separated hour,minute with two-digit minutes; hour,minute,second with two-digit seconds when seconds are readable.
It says 5,26
